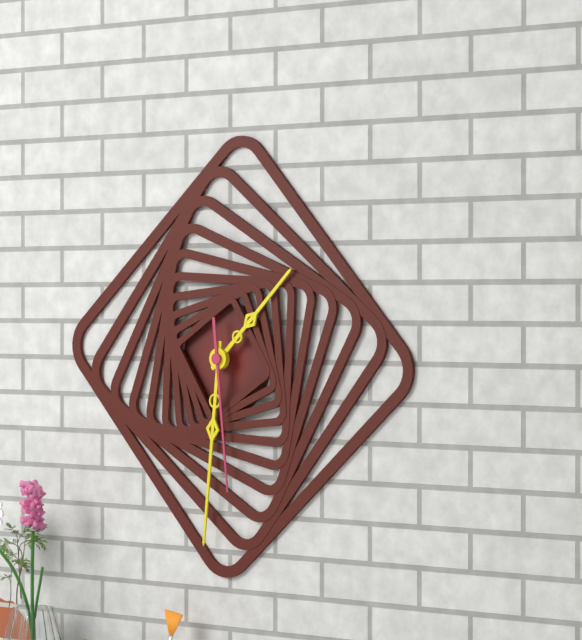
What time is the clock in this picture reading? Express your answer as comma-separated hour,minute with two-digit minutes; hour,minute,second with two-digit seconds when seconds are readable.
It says 1,31,29
